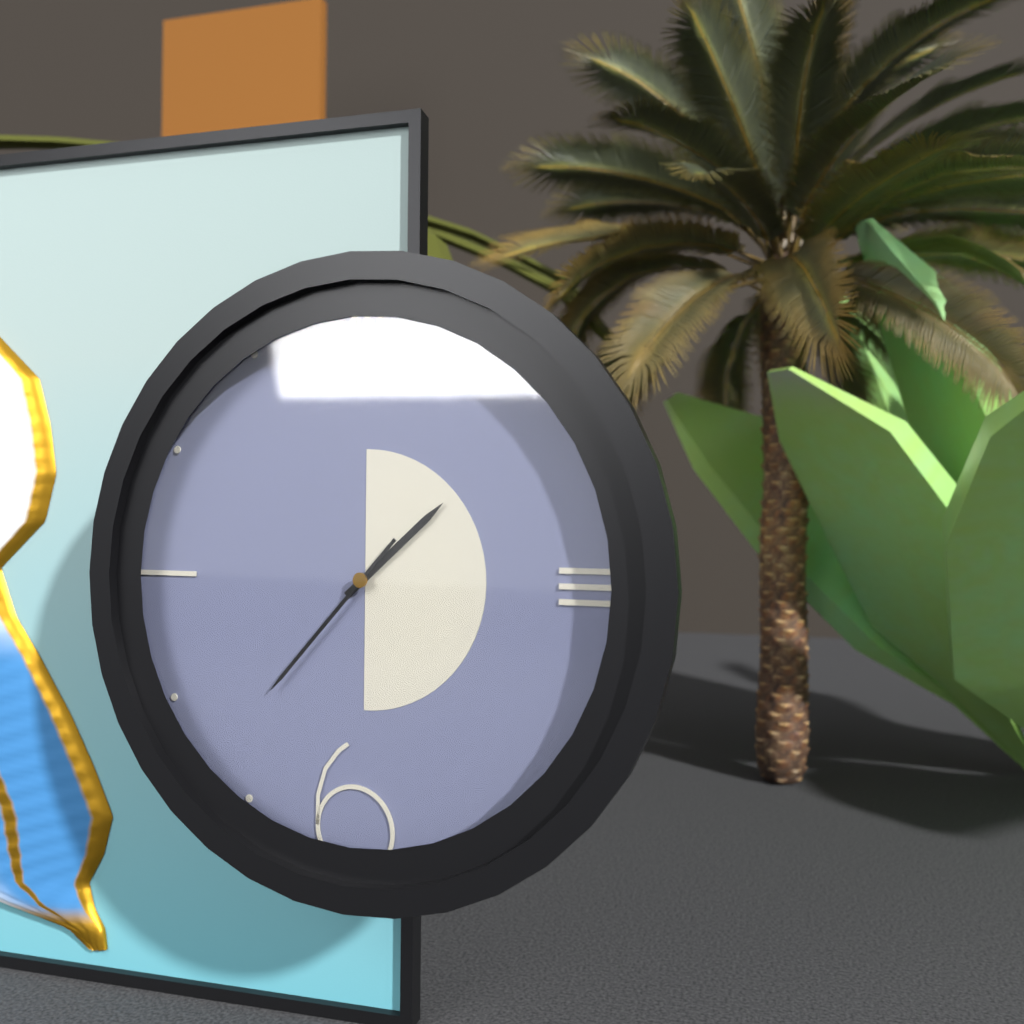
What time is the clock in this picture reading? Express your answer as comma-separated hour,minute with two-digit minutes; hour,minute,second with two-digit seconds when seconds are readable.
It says 1,37
